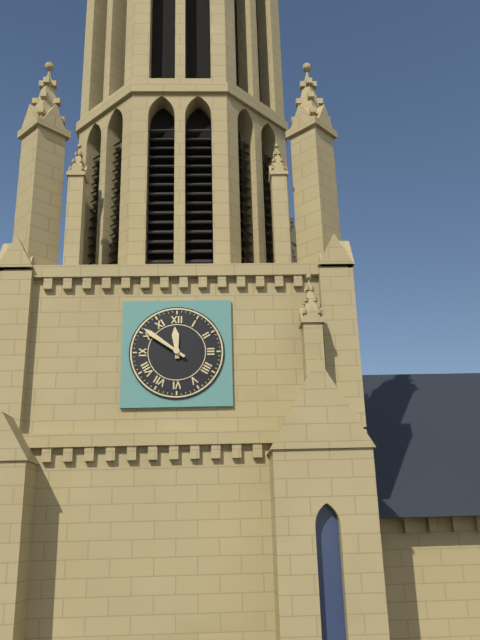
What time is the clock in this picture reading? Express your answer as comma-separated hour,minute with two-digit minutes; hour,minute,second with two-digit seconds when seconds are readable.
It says 11,51
